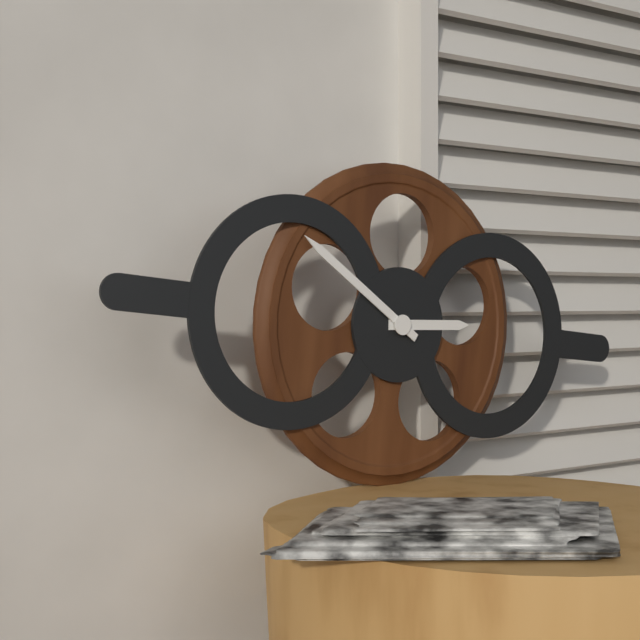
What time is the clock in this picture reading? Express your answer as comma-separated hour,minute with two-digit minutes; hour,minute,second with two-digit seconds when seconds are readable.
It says 2,50
